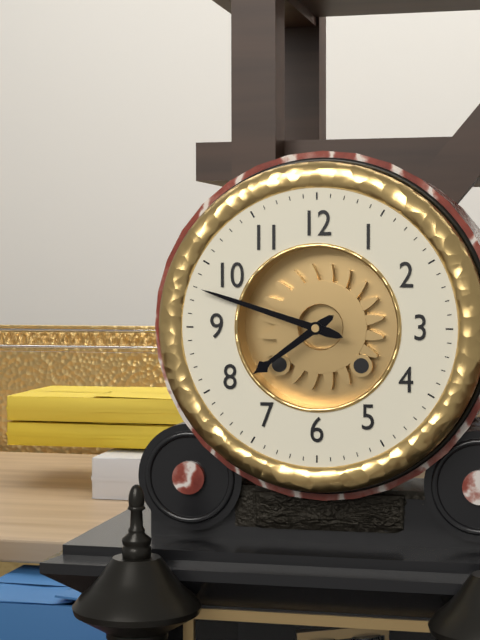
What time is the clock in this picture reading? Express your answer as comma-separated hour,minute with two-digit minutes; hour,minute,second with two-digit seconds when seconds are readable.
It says 7,48
